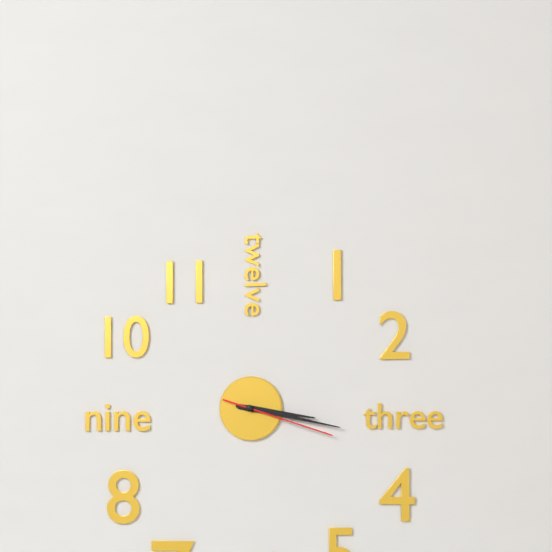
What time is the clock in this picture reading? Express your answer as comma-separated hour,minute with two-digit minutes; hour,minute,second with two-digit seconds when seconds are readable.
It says 3,17,18
